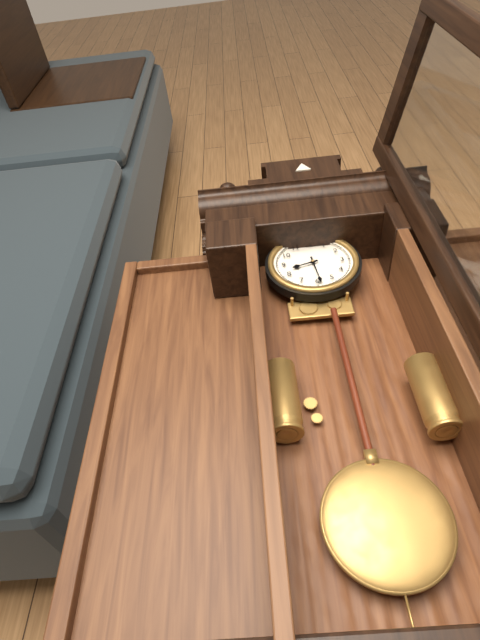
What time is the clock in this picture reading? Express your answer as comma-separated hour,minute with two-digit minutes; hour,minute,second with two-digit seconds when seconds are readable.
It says 8,29
